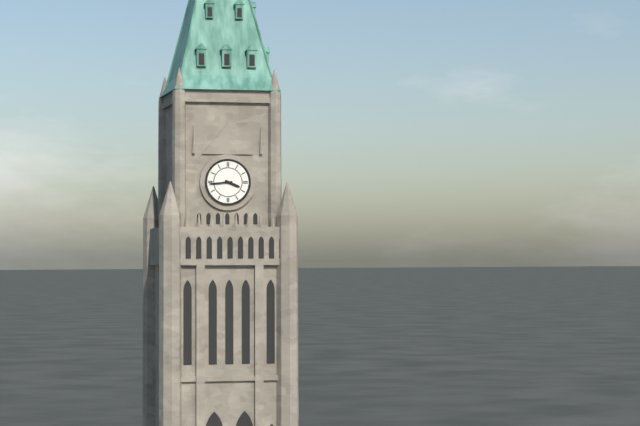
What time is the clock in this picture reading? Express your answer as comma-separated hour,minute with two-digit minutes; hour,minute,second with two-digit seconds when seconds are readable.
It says 3,44
